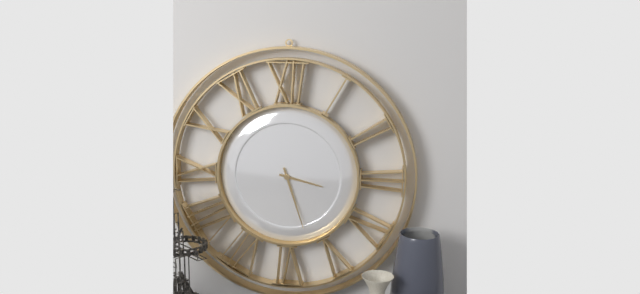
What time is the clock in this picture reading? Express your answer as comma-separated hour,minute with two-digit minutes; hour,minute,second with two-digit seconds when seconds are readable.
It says 3,27
